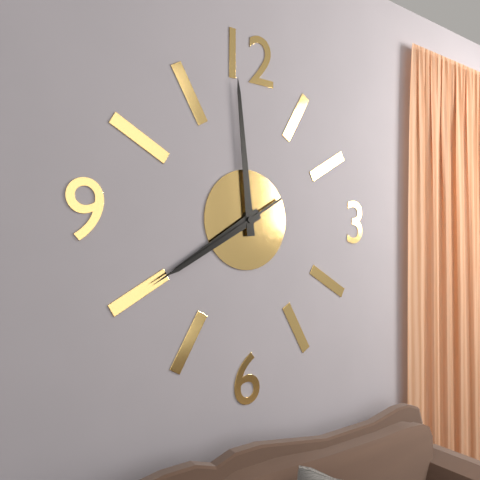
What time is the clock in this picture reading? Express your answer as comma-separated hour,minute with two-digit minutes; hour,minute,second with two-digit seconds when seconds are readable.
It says 7,59,40
